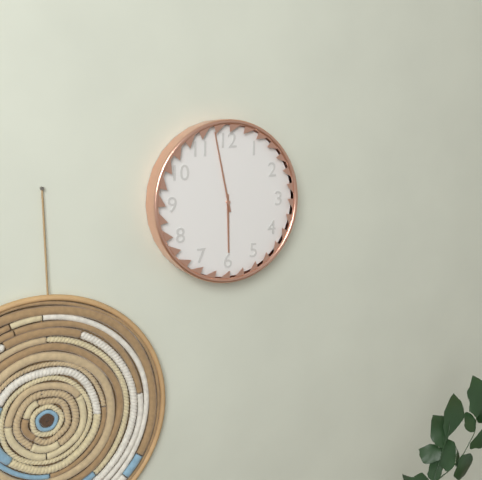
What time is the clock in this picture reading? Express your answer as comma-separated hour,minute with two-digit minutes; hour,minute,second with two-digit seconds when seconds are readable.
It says 5,58
